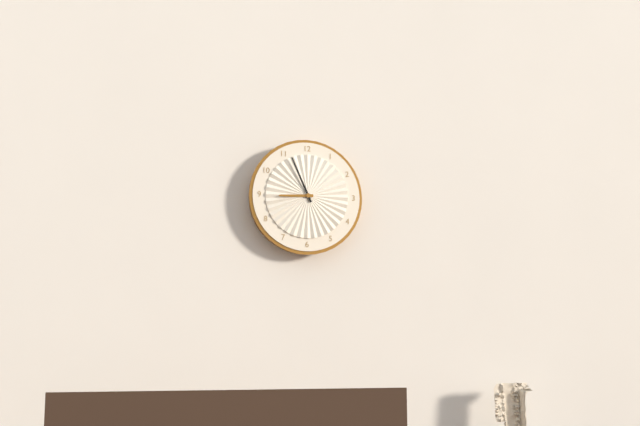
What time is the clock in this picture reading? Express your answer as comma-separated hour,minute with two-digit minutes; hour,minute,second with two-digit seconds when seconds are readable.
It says 8,56
